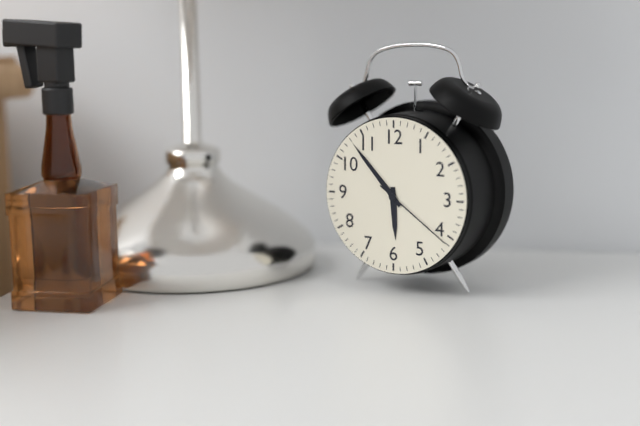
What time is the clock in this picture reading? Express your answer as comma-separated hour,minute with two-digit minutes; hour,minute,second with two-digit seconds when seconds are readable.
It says 5,53,21
